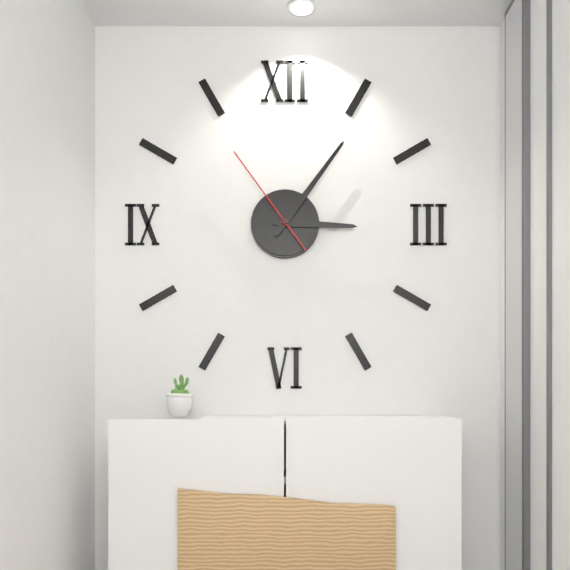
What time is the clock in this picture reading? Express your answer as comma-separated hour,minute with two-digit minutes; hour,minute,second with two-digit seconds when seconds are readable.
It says 3,06,54
